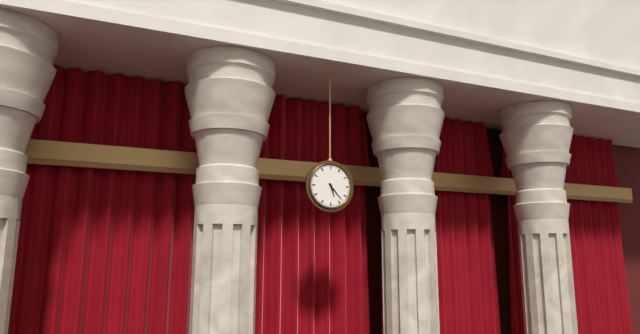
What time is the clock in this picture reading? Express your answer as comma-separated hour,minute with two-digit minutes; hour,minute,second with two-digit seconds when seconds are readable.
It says 5,23
